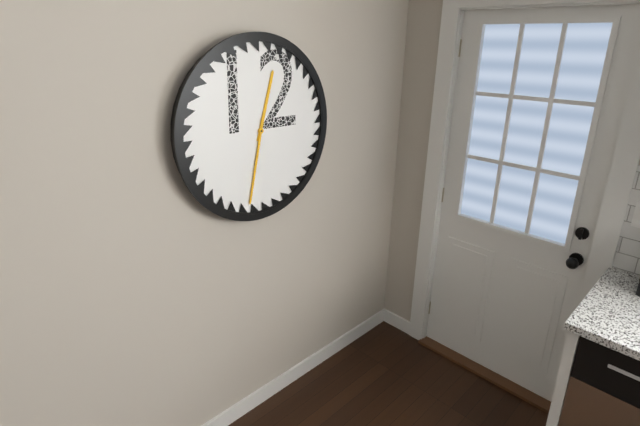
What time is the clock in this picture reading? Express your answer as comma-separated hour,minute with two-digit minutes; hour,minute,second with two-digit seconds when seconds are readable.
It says 12,32
